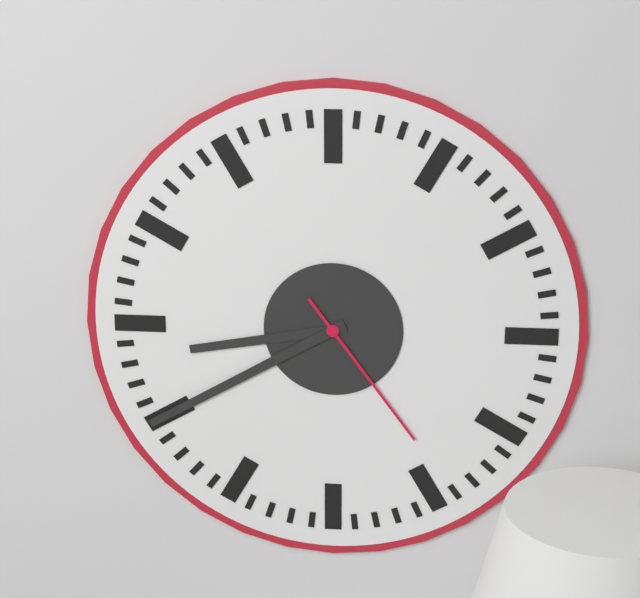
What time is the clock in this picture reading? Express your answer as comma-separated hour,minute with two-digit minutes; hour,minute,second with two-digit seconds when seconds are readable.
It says 8,40,24
